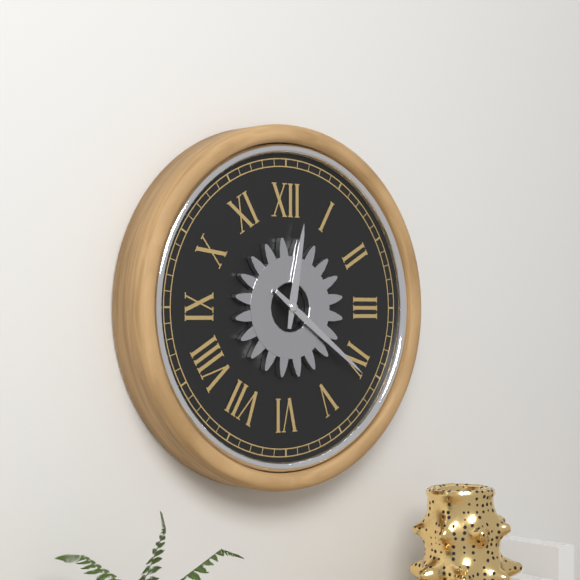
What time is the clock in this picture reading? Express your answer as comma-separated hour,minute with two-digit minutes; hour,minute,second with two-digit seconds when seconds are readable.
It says 12,21
